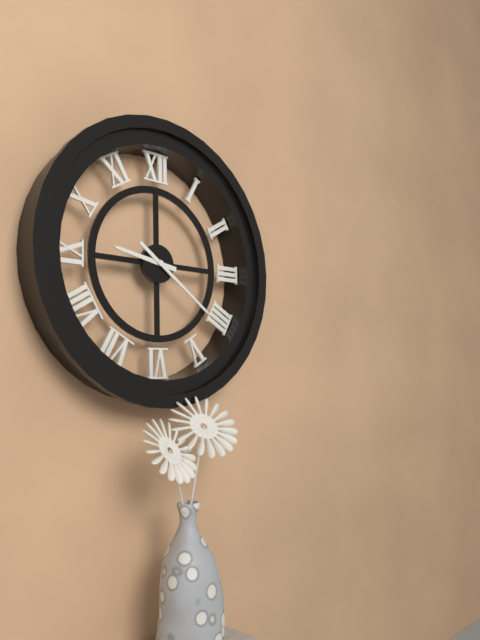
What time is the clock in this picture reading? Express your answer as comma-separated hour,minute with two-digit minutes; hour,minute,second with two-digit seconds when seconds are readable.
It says 9,21
